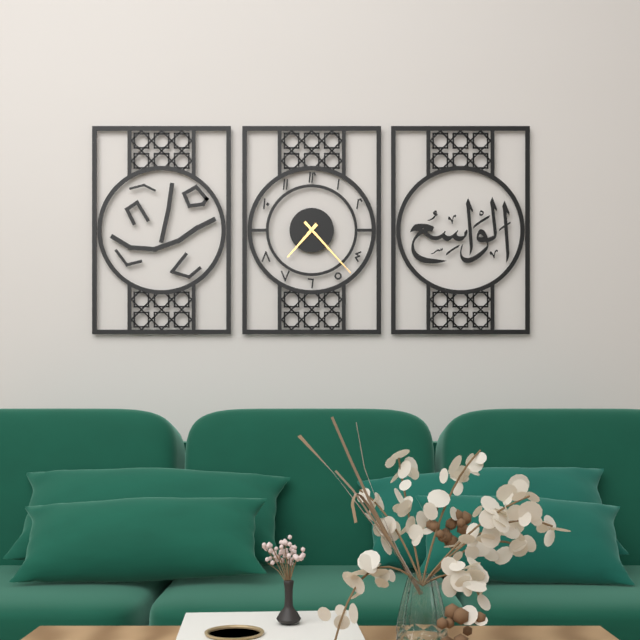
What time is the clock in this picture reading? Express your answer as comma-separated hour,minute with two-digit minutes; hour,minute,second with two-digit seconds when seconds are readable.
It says 7,23
